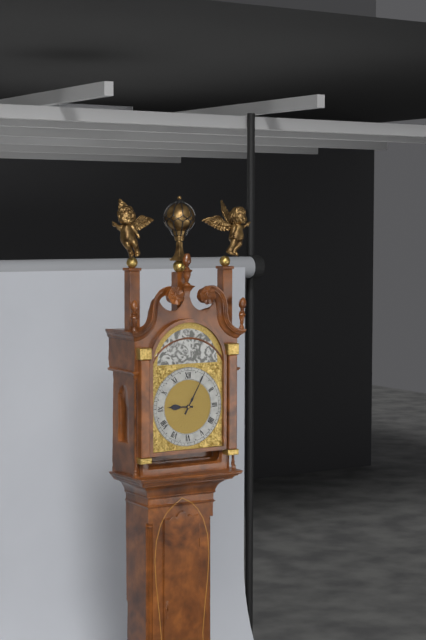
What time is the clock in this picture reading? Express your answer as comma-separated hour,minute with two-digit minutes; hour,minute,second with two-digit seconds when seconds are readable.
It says 9,05
